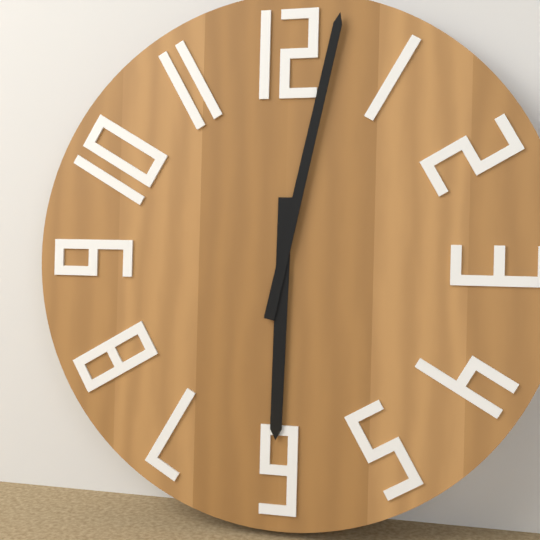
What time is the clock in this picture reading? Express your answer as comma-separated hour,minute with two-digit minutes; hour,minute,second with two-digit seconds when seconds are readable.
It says 6,02
